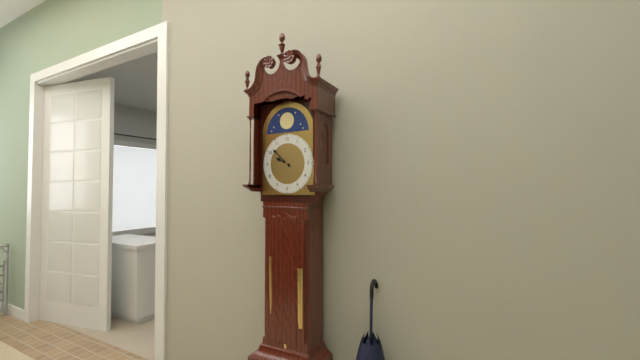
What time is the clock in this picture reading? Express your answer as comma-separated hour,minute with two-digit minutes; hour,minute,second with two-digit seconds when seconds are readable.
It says 9,52
